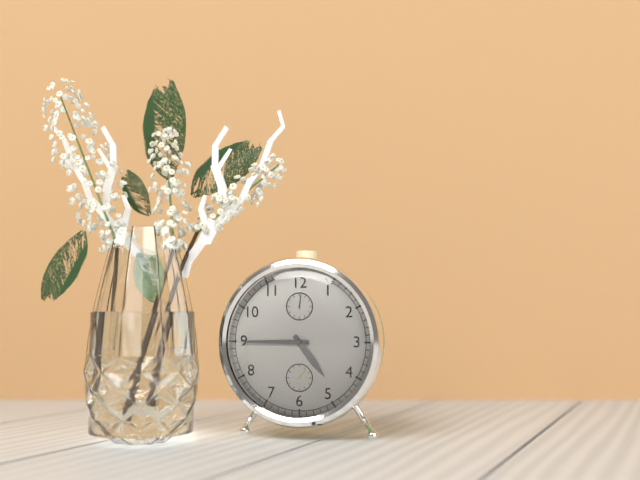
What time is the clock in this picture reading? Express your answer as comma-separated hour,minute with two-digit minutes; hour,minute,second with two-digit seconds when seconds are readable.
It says 4,45
